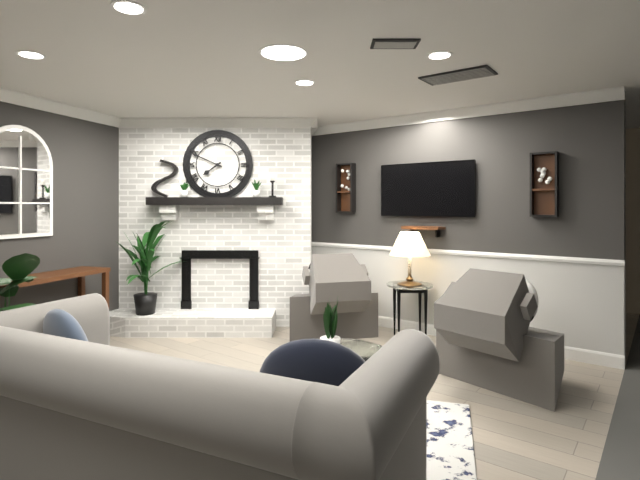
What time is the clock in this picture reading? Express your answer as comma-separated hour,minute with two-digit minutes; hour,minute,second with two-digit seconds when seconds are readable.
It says 7,49
